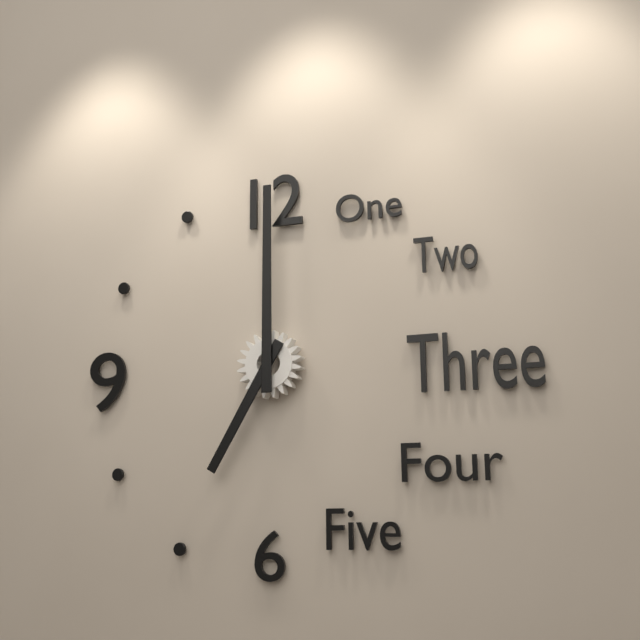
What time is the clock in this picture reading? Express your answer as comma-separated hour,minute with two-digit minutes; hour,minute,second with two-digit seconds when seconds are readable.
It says 7,00
